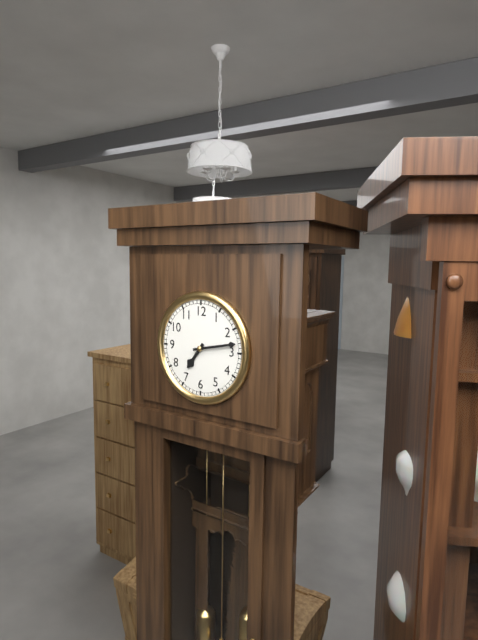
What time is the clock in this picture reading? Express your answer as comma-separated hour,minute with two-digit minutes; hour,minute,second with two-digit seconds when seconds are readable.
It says 7,13
